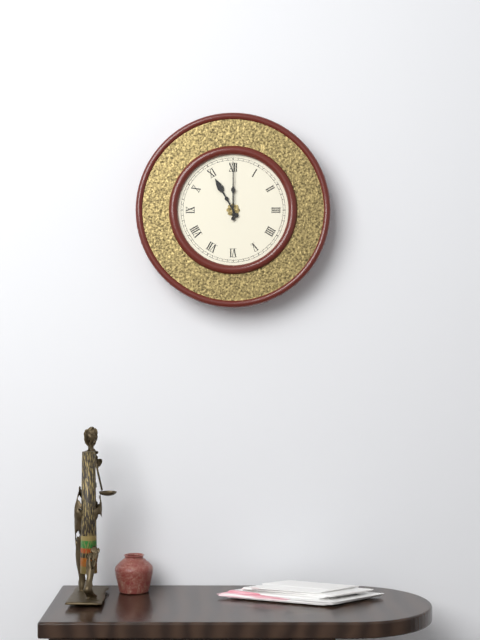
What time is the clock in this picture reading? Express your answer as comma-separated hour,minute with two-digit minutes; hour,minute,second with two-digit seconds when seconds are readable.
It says 11,00
